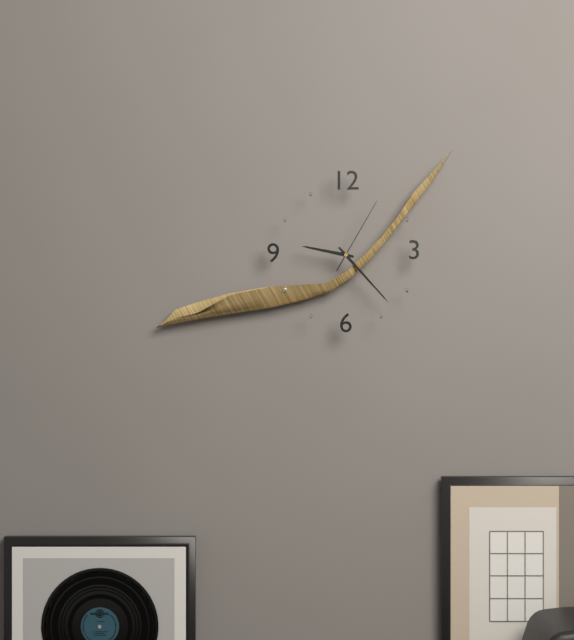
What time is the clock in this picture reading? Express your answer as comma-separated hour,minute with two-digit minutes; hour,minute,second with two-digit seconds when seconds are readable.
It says 9,23,05
